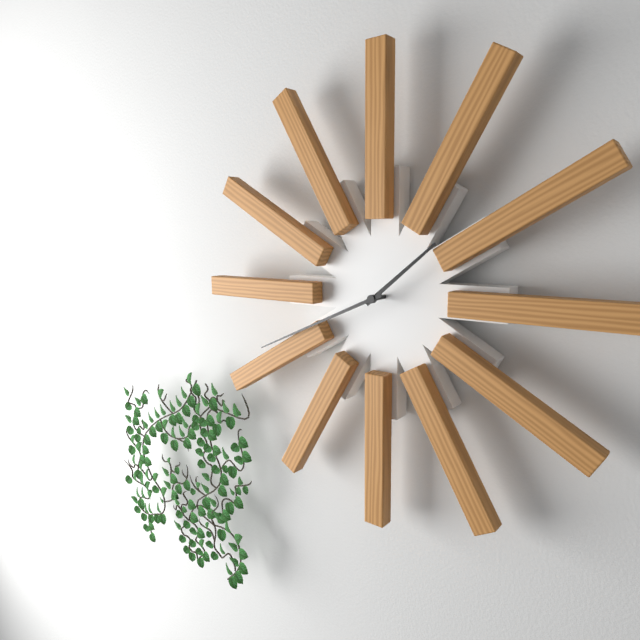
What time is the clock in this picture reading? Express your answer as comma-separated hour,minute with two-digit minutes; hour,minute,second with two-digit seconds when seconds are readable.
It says 1,41
